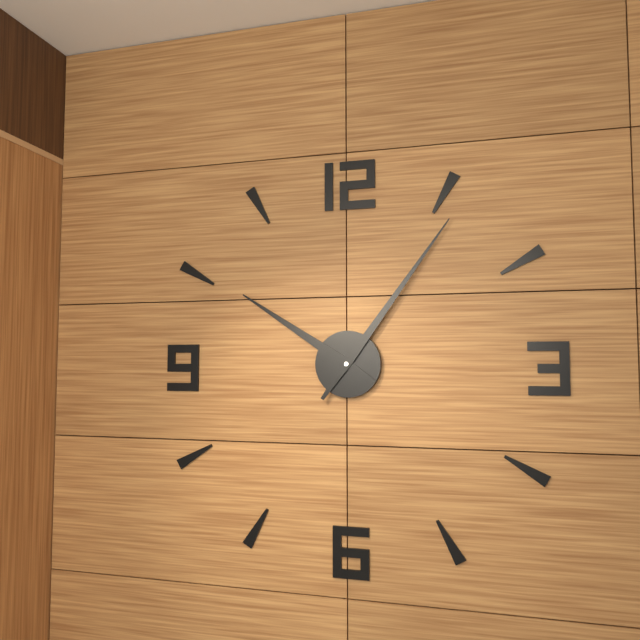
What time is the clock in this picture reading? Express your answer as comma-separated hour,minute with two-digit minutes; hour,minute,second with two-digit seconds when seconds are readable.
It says 10,06
